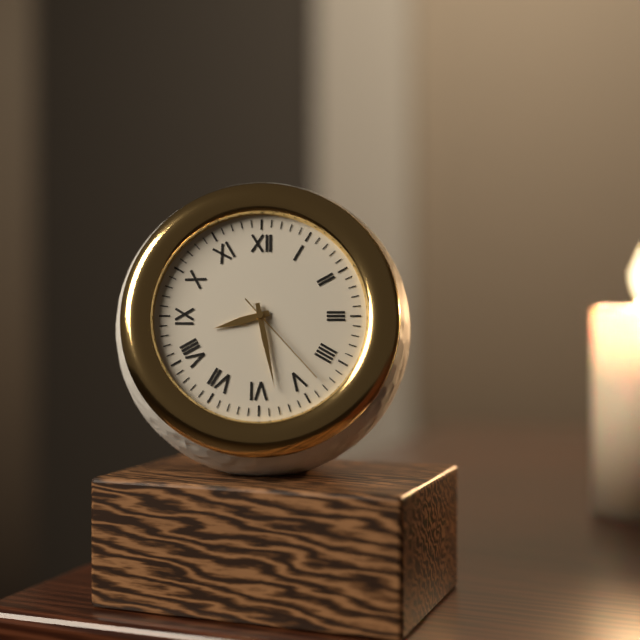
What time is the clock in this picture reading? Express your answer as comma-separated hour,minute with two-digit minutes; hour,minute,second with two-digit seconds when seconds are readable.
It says 8,28,23
